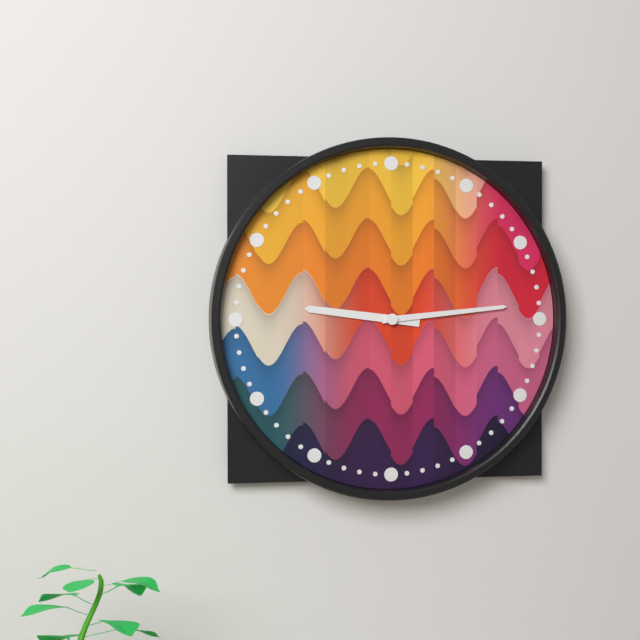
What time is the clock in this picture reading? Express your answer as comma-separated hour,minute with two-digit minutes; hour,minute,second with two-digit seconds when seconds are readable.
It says 9,14
